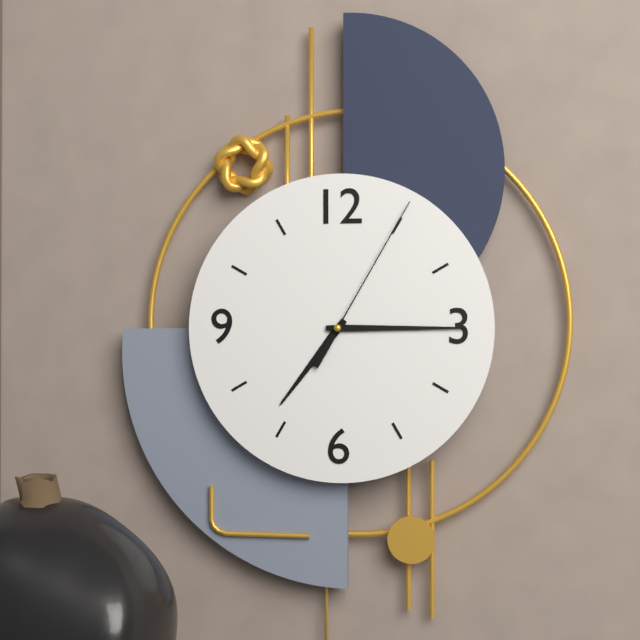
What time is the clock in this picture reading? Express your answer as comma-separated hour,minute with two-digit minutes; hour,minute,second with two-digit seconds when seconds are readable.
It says 7,15,05
